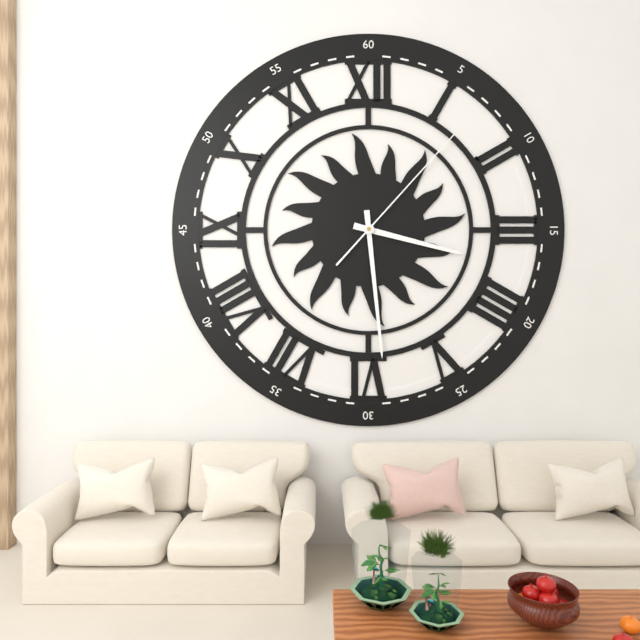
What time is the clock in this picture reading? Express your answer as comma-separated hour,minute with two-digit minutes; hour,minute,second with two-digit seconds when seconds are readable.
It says 3,29,07
